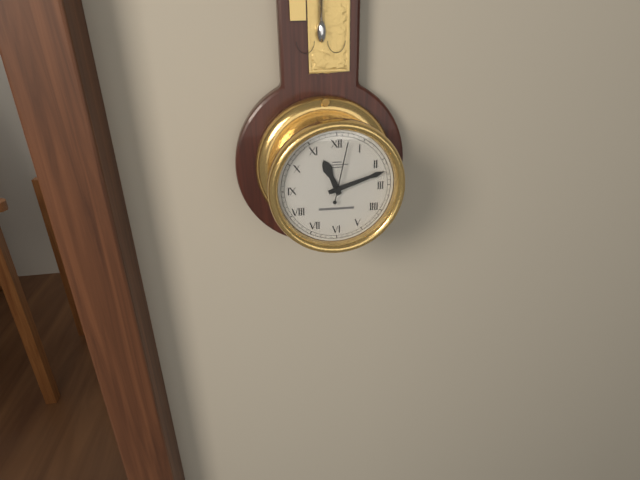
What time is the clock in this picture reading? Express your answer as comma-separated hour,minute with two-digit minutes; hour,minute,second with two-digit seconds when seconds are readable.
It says 11,12,02
